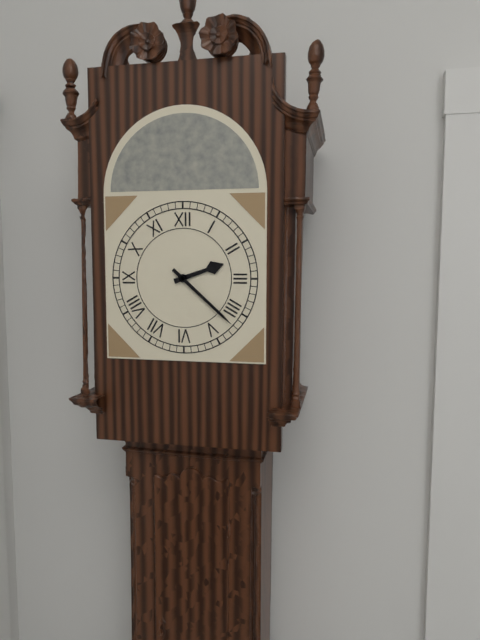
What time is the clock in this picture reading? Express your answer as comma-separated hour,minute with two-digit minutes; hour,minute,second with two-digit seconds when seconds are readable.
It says 2,22
